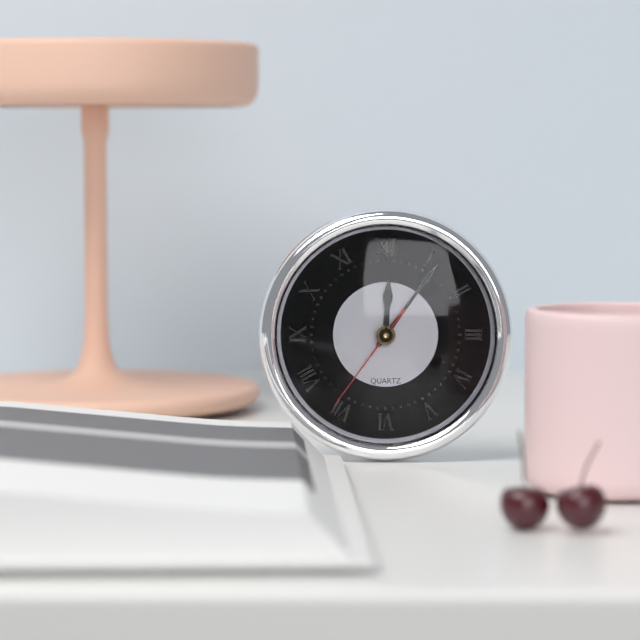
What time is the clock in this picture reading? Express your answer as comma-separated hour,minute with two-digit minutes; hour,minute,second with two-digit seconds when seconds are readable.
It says 12,06,36
